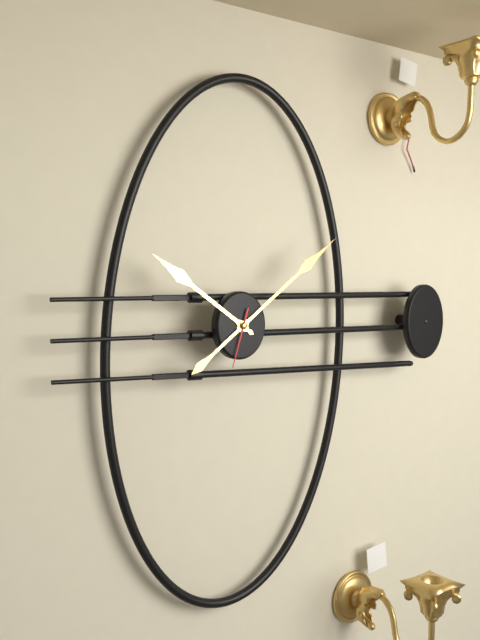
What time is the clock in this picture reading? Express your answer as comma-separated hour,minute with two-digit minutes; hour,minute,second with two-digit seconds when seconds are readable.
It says 10,09,33
